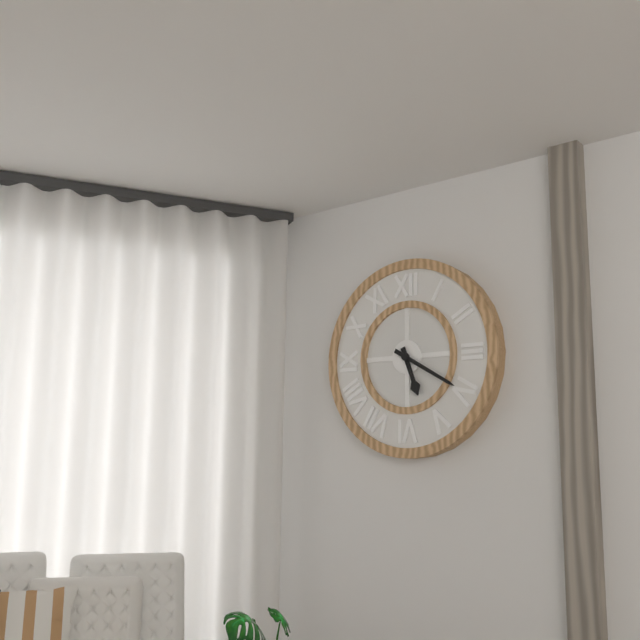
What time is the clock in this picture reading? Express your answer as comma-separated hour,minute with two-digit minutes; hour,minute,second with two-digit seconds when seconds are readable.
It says 5,20
